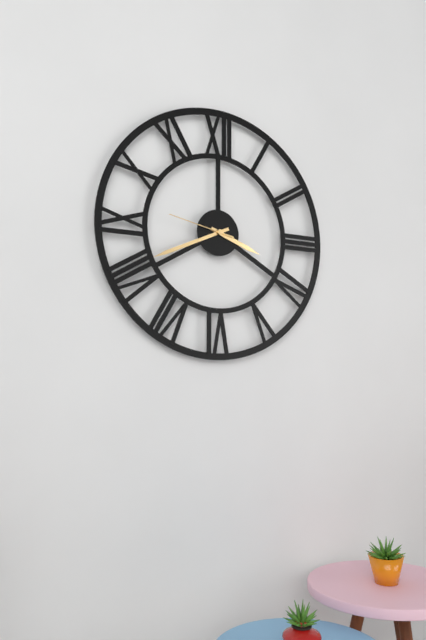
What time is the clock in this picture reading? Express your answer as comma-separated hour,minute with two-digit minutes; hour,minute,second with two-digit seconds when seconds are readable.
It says 3,41,47
